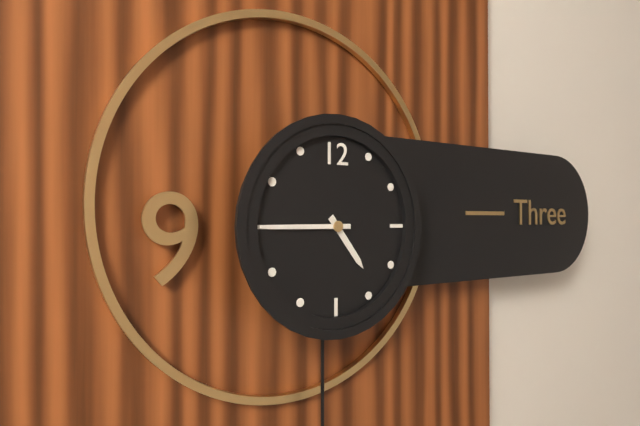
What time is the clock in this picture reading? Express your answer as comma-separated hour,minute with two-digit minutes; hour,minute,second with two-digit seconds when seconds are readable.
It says 4,45
